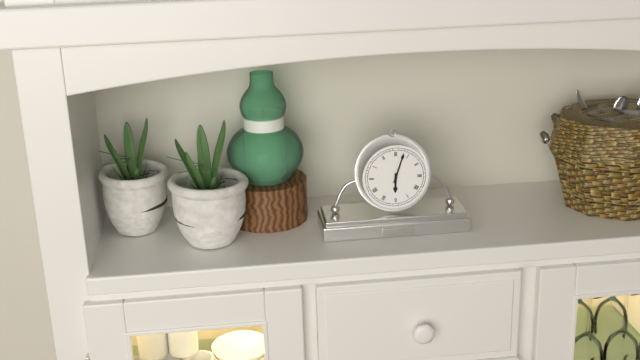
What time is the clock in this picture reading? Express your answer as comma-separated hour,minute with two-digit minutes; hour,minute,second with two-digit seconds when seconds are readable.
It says 6,03
